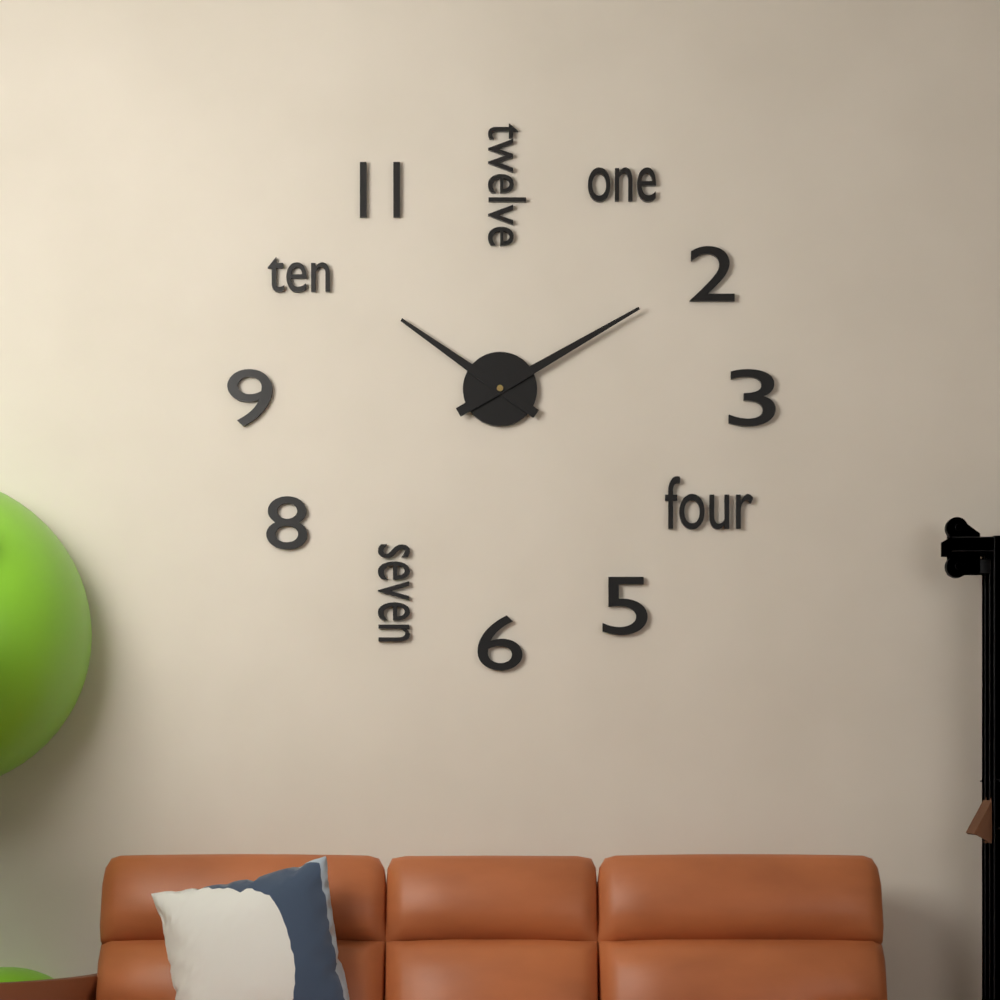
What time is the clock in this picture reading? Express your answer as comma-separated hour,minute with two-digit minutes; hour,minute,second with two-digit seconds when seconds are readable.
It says 10,10
